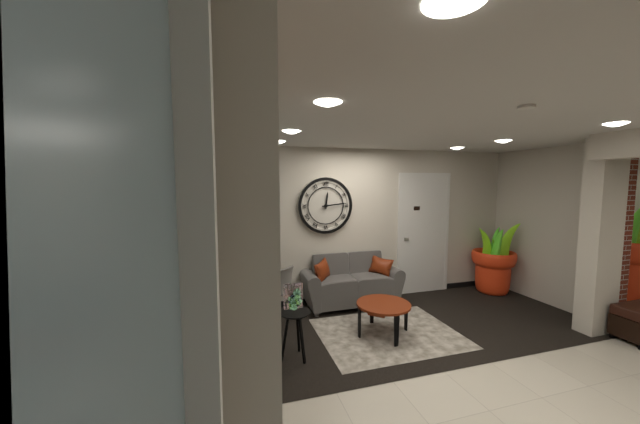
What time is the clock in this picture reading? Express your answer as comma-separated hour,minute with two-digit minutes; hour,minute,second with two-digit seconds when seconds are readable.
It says 12,14
